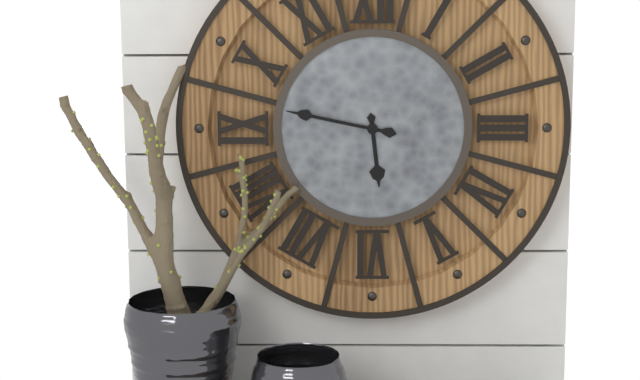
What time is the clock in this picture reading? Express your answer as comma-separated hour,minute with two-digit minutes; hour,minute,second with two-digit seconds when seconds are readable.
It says 5,47
